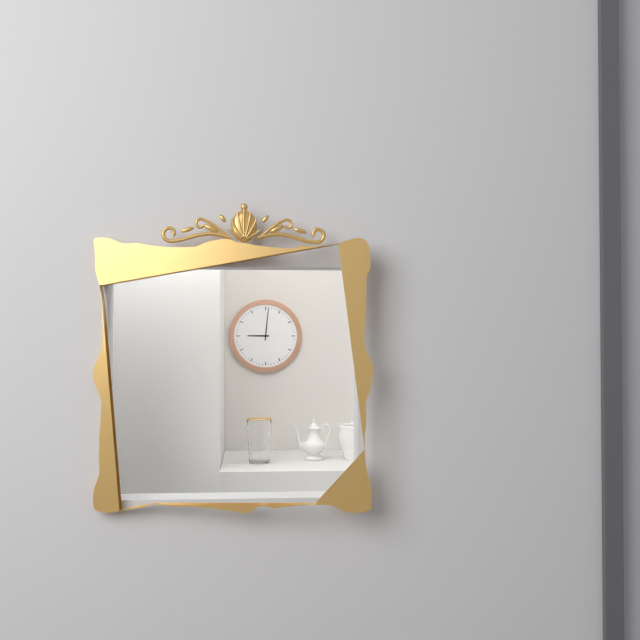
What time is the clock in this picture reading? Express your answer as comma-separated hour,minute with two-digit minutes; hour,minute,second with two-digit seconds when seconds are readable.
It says 9,01
